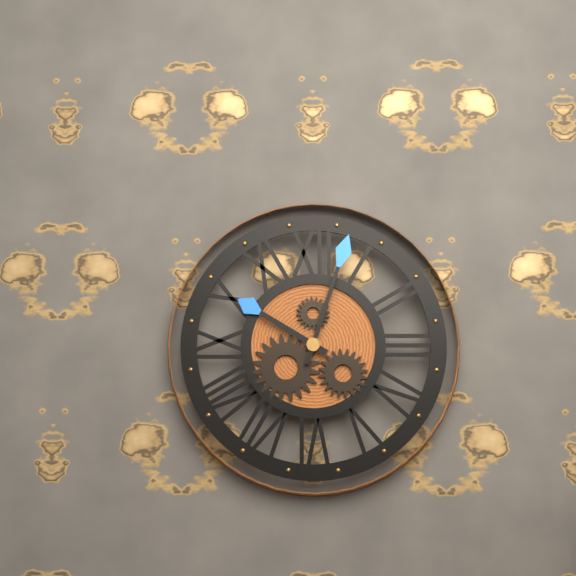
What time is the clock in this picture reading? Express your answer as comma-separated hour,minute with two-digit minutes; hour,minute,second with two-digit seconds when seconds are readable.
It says 10,03
